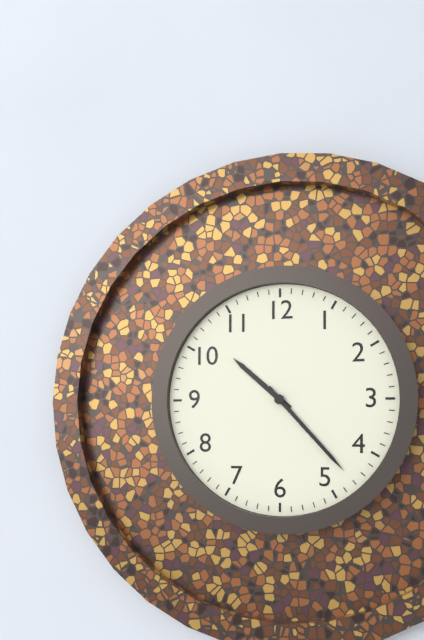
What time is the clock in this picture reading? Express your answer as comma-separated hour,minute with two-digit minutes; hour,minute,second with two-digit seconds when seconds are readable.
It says 10,23
